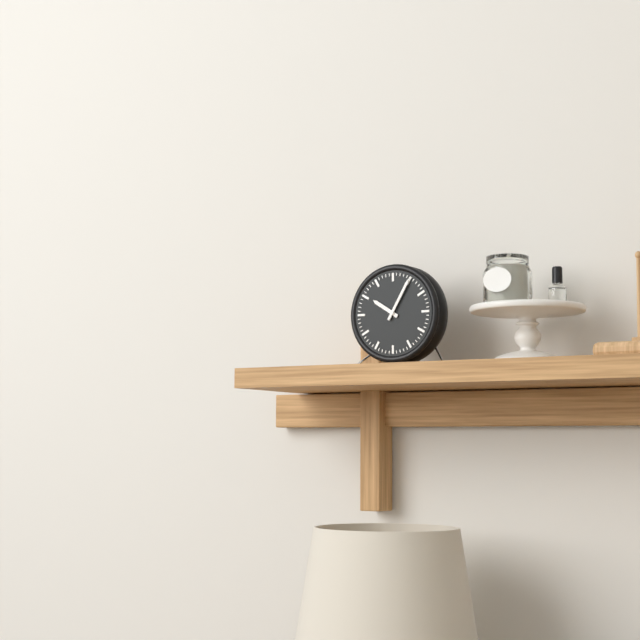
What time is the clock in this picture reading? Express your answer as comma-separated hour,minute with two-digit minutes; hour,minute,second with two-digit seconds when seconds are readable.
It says 10,05
